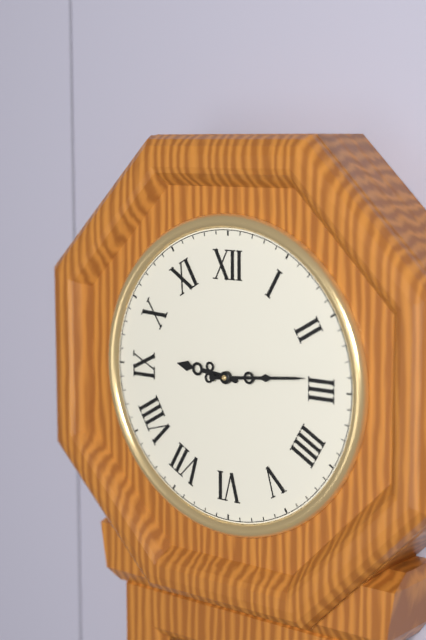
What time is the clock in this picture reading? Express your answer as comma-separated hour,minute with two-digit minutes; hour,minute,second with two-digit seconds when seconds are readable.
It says 9,14
